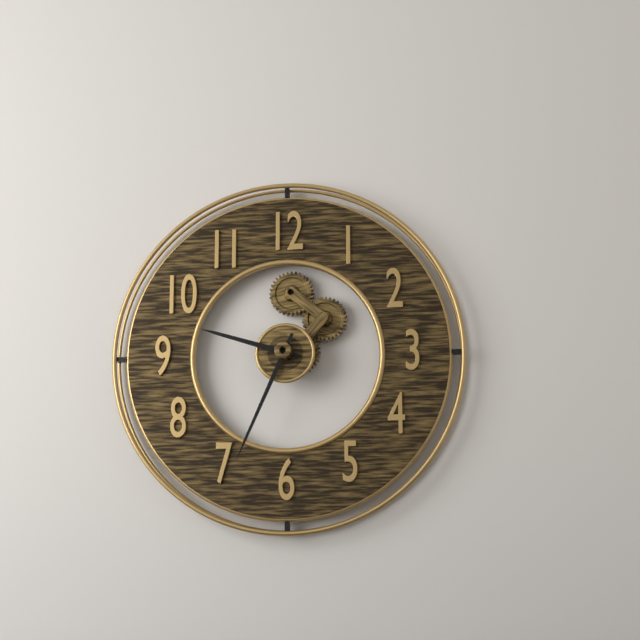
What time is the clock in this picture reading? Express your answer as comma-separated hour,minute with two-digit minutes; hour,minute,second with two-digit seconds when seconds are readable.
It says 9,34
